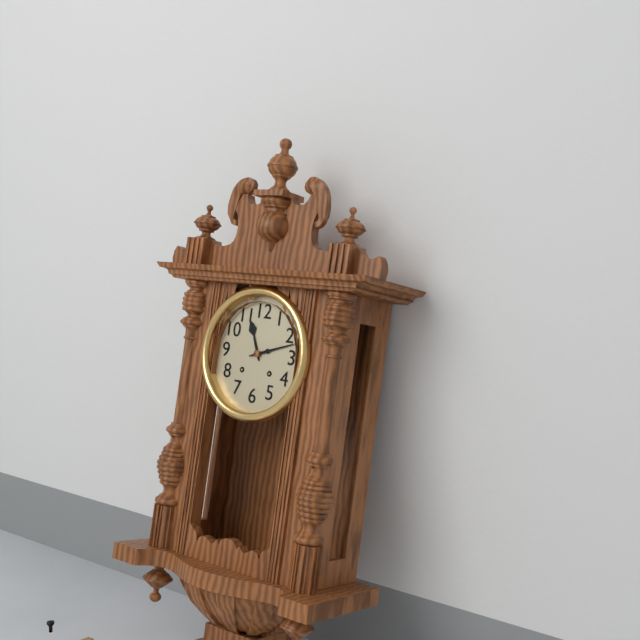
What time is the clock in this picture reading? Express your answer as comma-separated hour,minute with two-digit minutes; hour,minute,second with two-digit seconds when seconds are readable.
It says 11,12
